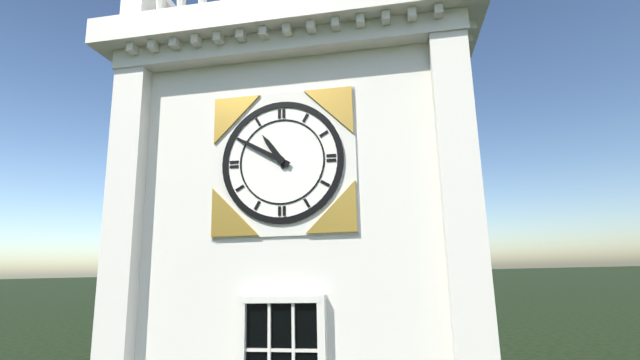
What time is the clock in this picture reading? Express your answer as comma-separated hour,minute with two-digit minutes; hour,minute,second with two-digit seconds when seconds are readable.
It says 10,50
